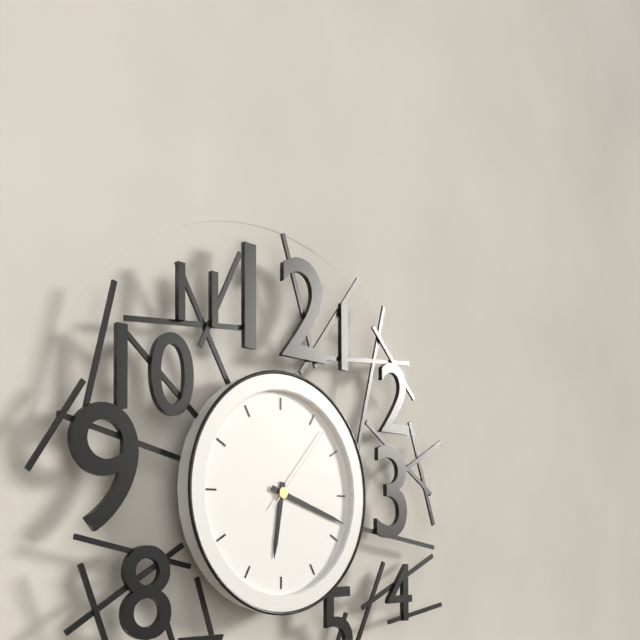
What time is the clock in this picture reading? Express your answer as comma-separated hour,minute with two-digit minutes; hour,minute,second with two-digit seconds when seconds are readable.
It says 6,18,07
